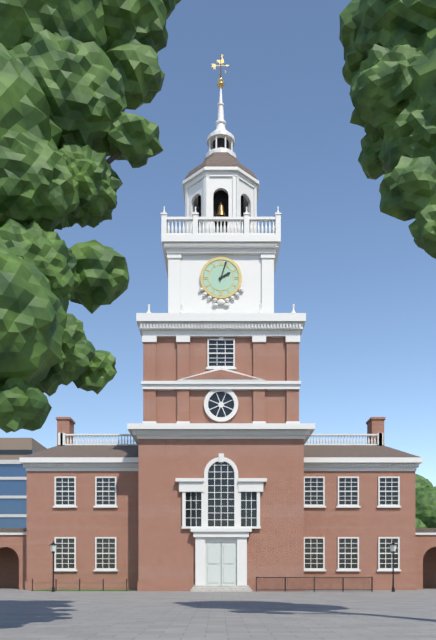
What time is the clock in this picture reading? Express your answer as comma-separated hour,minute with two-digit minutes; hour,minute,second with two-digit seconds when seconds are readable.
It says 2,03
